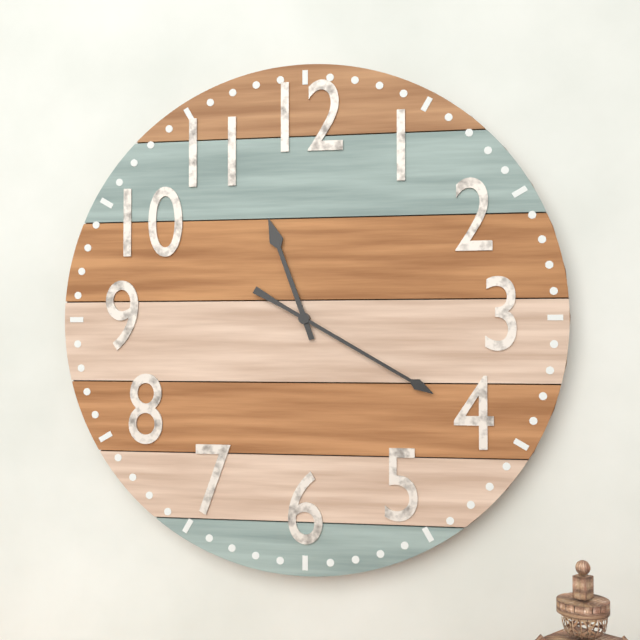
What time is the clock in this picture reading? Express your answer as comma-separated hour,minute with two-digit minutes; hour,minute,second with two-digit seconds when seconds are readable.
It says 11,20
